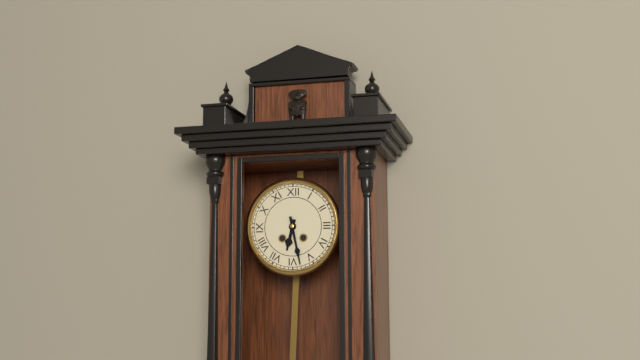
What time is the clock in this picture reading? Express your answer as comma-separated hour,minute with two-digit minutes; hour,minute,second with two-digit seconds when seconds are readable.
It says 6,28
